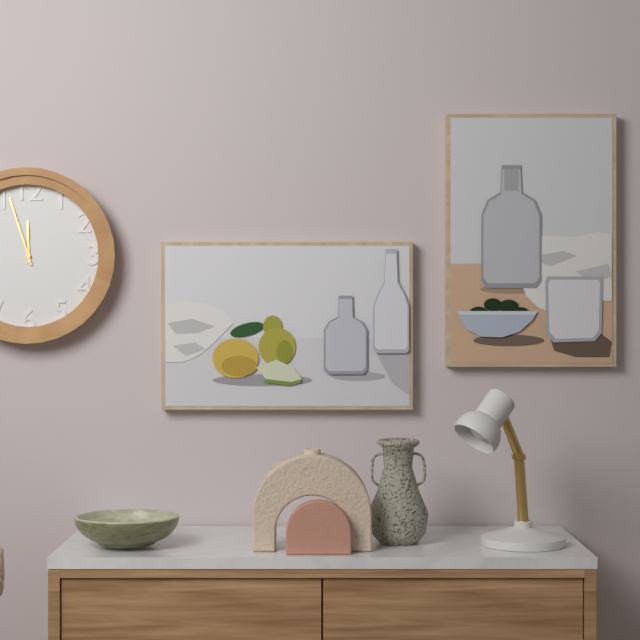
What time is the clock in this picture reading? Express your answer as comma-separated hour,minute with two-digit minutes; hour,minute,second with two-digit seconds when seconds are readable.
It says 11,57
